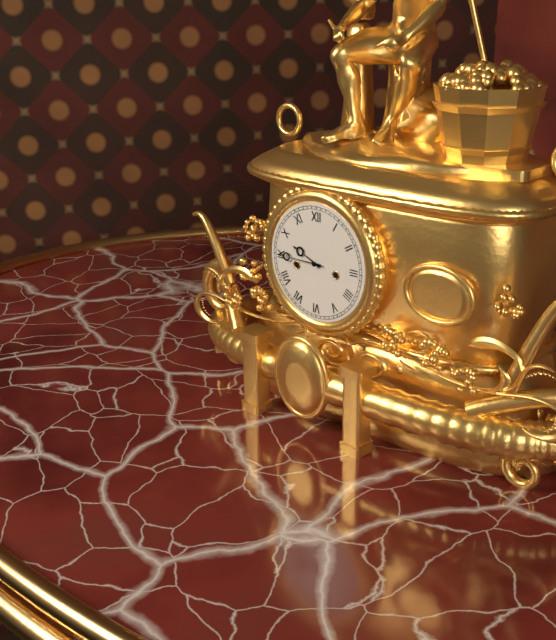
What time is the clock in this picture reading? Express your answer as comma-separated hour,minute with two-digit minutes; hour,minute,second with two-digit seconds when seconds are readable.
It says 9,45
